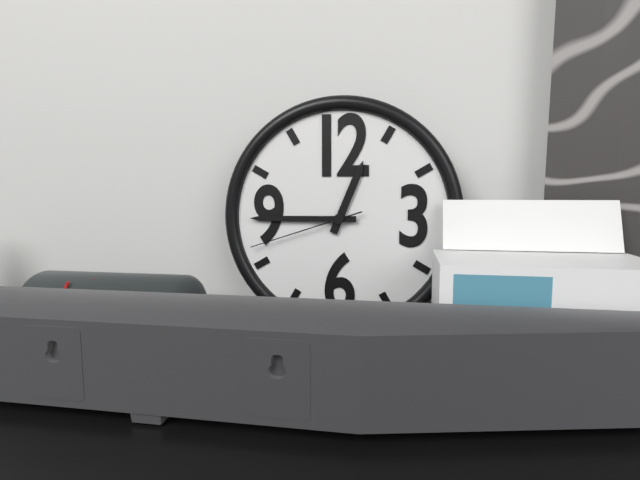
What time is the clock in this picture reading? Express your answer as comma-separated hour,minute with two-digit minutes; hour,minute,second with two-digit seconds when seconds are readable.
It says 12,45,42
